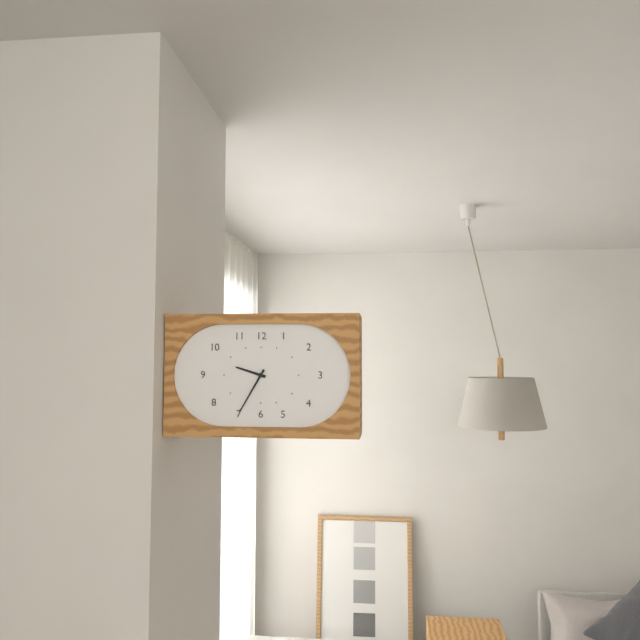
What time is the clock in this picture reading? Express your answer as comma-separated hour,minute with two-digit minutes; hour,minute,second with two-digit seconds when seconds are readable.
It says 9,35
